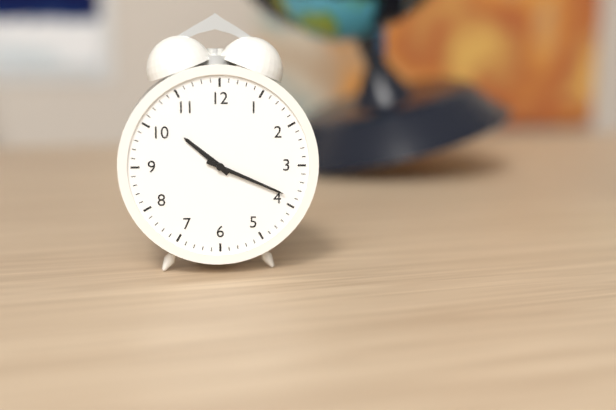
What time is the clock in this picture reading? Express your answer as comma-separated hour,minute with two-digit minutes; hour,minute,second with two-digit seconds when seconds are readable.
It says 10,19
